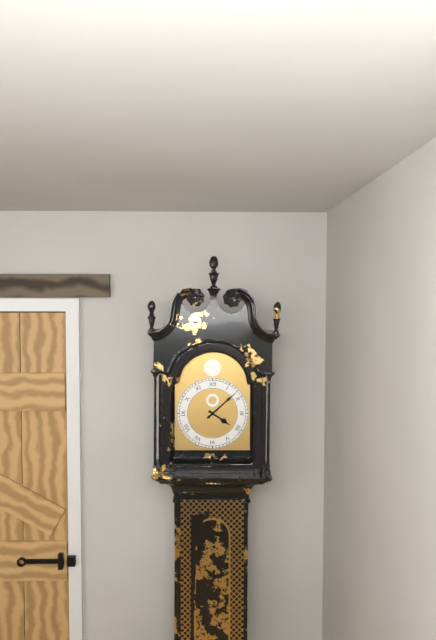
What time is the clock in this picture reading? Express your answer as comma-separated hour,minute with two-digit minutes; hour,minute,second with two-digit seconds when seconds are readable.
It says 4,08
